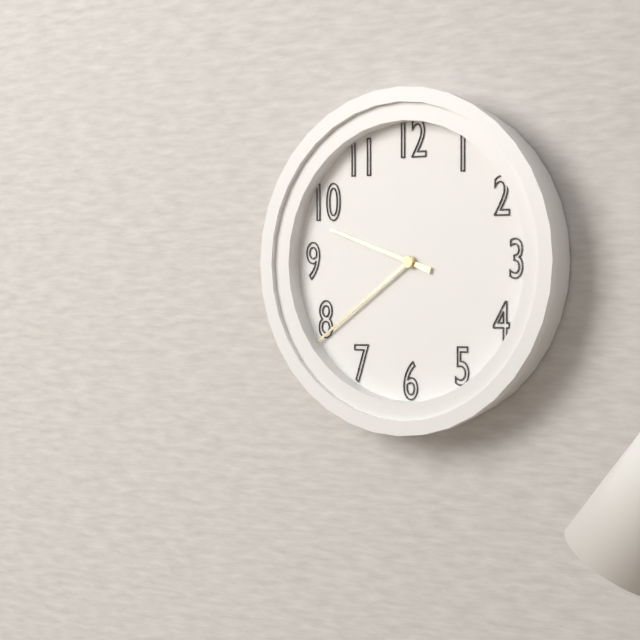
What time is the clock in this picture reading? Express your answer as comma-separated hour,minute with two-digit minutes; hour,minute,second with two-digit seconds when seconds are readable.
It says 9,39
